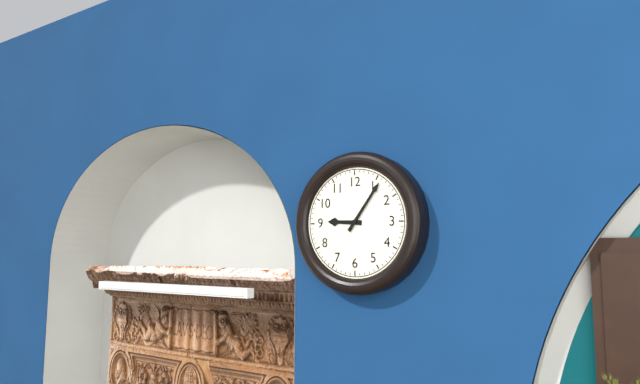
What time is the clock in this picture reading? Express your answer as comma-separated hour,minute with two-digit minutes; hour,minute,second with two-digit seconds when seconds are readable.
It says 9,06
